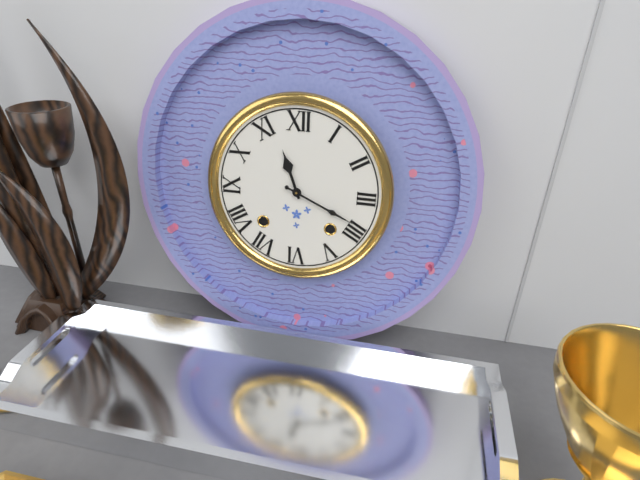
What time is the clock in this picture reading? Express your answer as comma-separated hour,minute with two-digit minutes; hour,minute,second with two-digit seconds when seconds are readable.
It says 11,19
